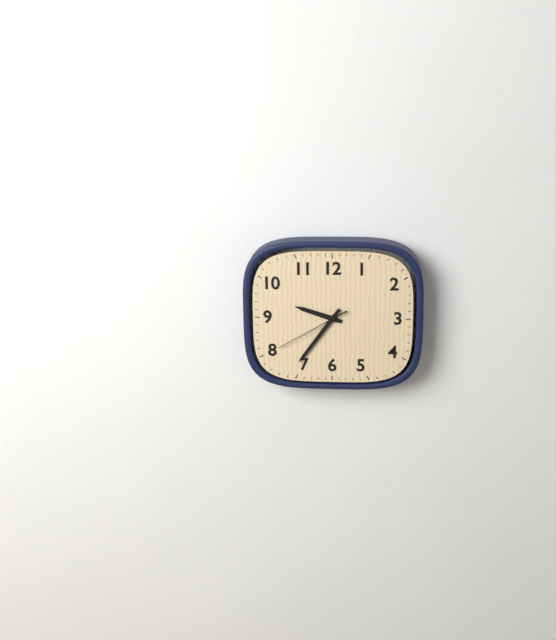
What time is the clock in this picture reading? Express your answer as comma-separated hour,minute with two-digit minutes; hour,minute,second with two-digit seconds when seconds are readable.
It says 9,36,40
